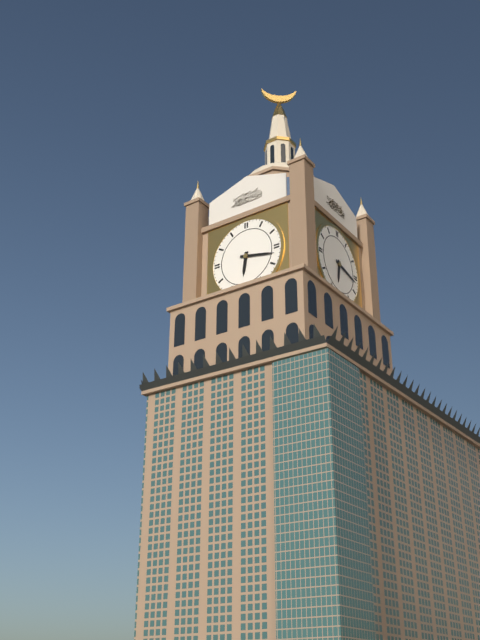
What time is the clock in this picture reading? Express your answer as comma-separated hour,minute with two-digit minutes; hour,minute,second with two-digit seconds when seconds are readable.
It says 6,17
